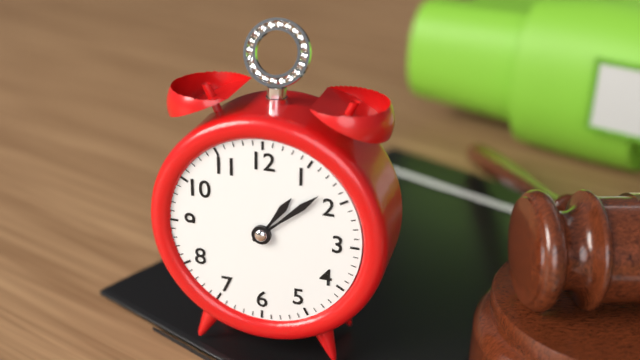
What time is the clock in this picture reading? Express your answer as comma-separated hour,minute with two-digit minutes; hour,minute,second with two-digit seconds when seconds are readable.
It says 1,08
